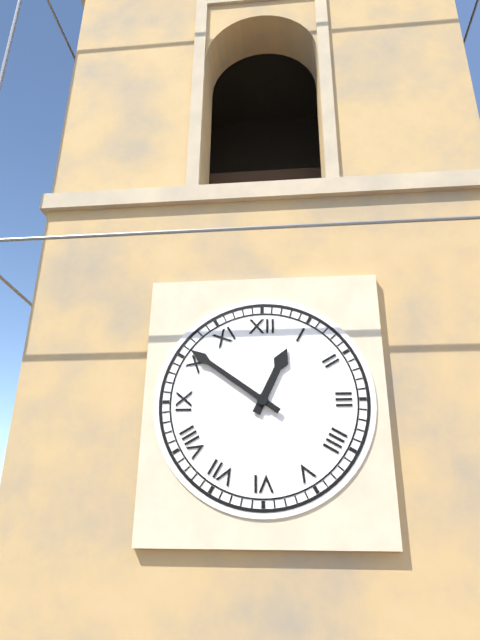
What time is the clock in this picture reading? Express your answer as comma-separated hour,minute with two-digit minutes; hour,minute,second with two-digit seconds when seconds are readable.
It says 12,51
